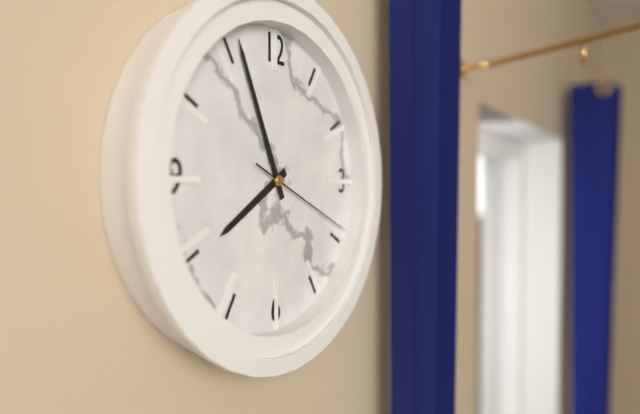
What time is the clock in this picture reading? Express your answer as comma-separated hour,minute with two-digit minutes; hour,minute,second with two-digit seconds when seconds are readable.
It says 7,56,19
